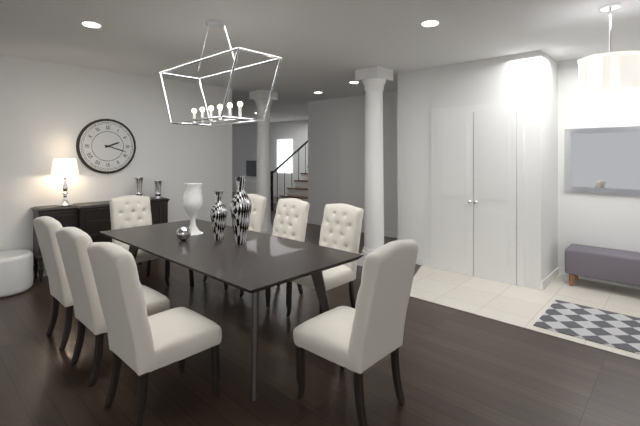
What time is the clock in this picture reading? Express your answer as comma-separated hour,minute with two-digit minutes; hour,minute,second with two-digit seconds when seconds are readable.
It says 2,18
